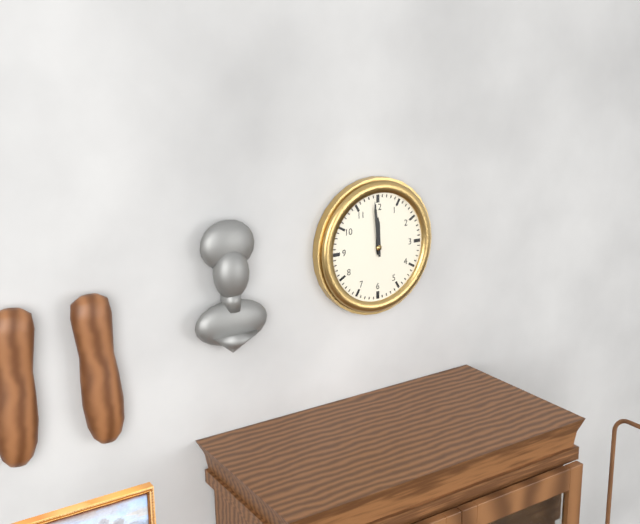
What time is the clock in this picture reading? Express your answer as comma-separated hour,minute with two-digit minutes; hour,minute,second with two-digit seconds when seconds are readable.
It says 11,59
